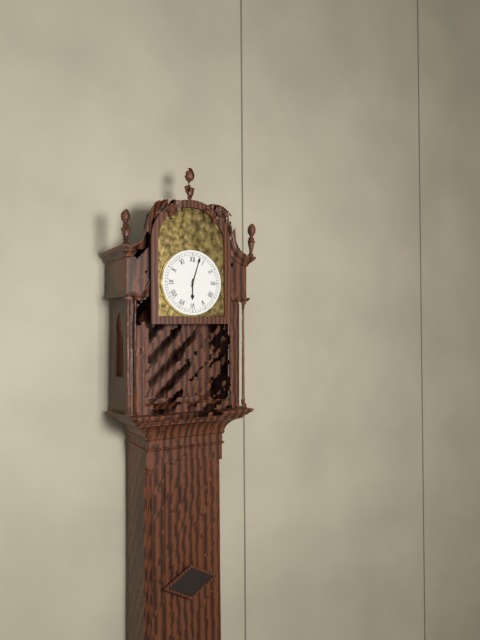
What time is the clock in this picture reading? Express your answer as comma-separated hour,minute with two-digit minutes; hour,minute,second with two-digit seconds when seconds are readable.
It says 6,03
